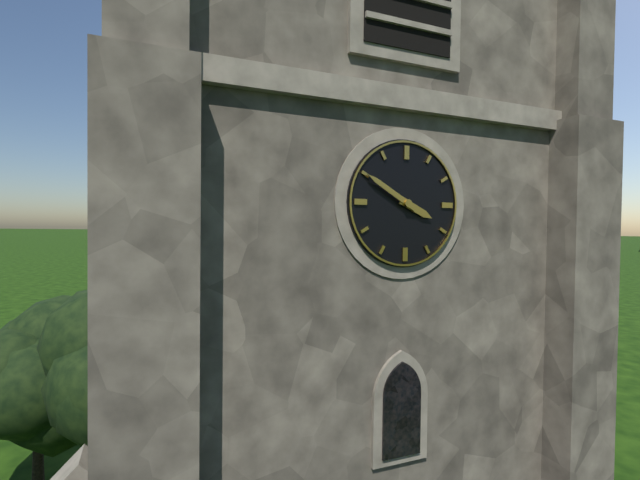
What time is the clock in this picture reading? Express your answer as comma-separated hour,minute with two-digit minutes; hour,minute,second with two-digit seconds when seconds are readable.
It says 3,50
